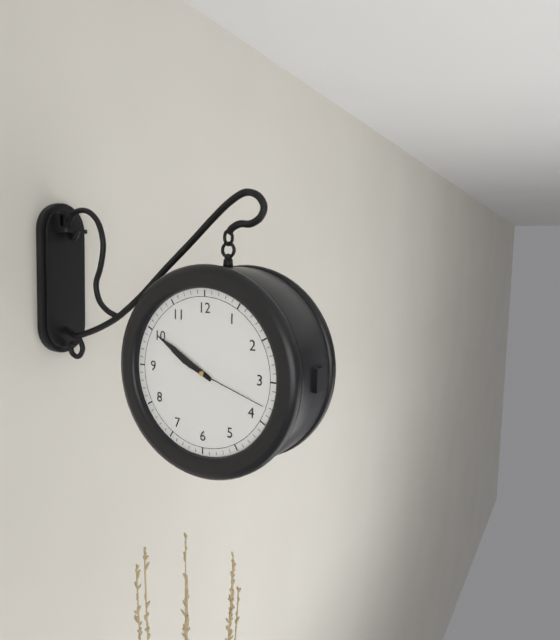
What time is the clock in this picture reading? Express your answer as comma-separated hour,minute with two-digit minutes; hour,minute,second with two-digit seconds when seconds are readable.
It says 9,50,18
